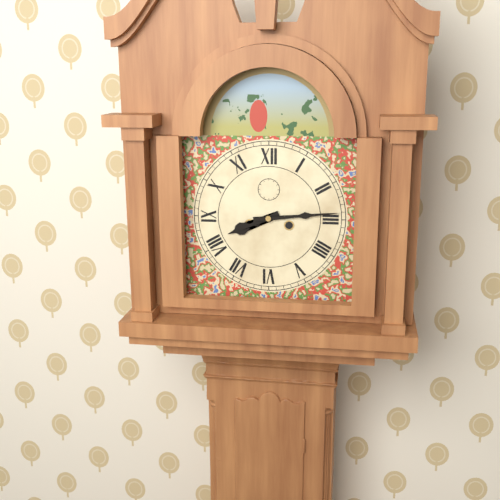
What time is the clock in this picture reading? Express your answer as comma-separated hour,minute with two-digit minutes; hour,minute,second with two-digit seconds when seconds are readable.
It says 8,14
